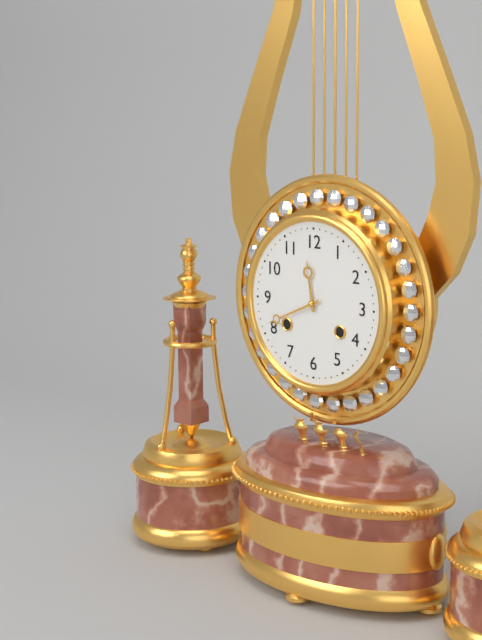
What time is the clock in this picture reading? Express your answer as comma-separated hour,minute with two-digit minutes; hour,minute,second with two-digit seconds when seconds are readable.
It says 11,41
